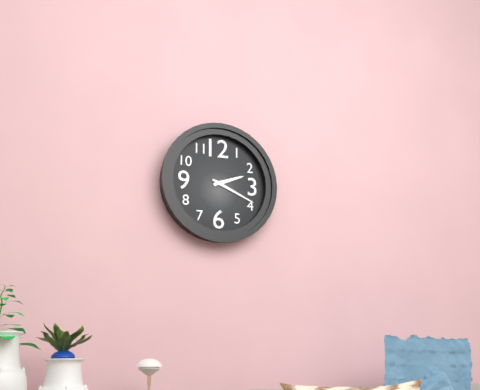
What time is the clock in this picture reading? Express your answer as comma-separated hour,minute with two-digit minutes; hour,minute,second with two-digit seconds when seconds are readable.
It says 2,19
